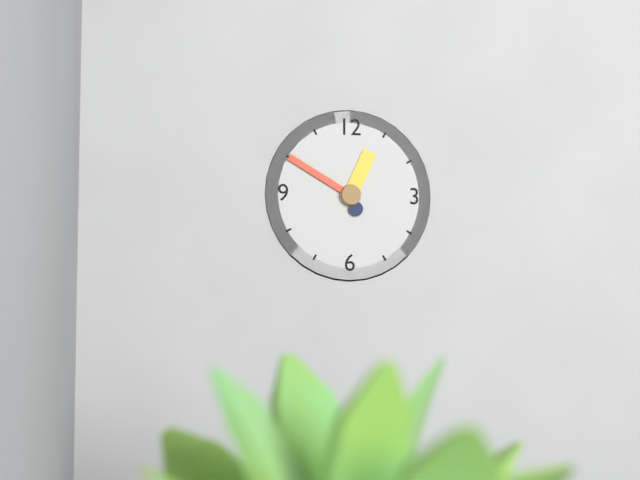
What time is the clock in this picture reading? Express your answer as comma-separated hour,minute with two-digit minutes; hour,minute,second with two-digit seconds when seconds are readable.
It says 12,50
